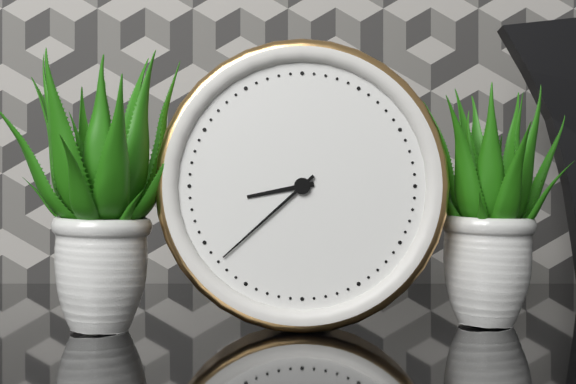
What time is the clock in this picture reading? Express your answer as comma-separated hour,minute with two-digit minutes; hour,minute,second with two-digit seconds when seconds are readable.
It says 8,38
